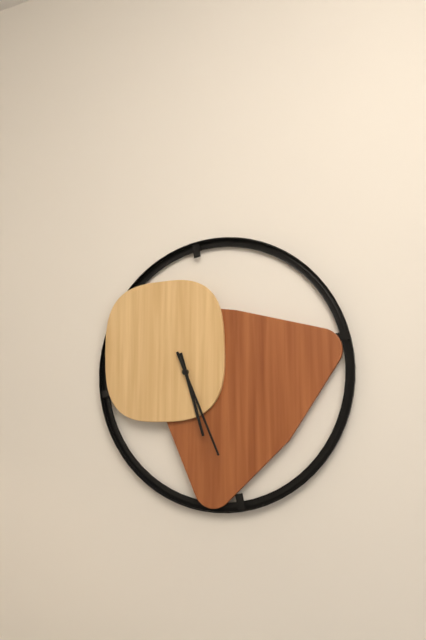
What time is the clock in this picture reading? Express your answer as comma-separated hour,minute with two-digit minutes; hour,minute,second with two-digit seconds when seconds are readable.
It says 5,26
